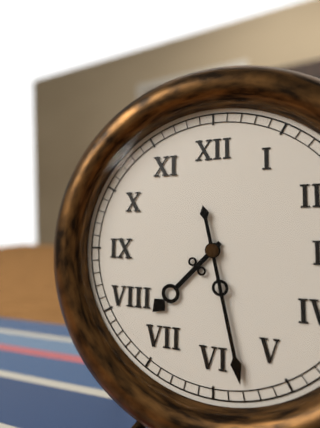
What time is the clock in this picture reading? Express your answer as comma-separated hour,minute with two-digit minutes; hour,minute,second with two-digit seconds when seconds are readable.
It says 7,28
